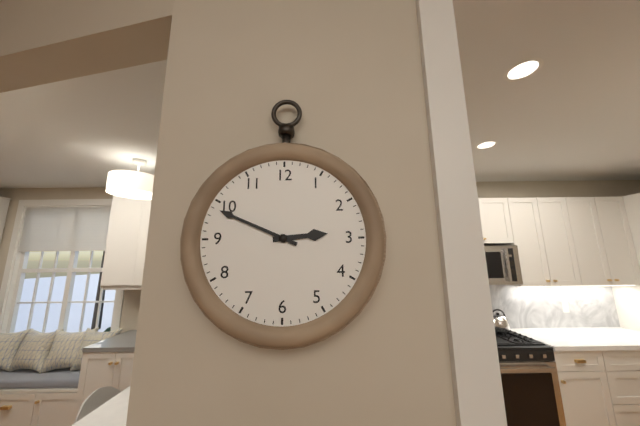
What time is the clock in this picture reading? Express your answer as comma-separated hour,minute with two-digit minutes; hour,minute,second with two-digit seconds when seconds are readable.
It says 2,49
